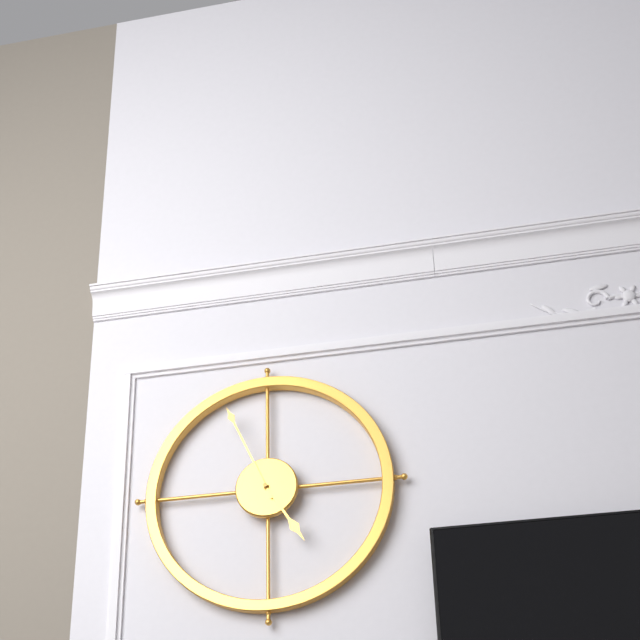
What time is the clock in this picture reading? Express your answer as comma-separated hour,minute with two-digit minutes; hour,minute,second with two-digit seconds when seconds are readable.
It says 4,56
